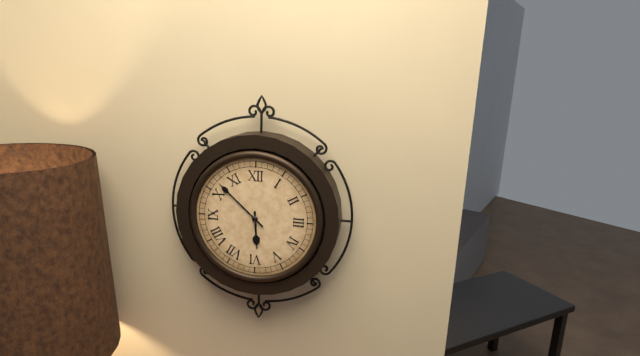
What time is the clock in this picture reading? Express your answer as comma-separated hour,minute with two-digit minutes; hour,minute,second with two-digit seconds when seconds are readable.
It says 5,52
